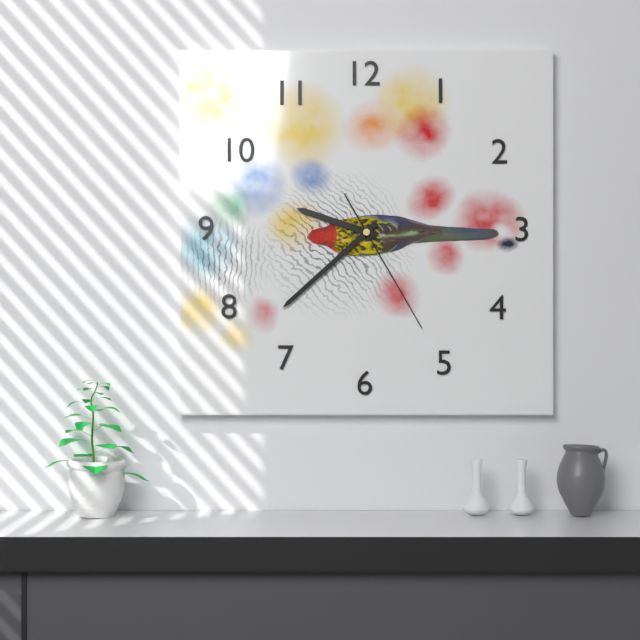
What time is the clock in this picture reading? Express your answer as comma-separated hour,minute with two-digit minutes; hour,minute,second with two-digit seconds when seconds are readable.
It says 9,38,25
